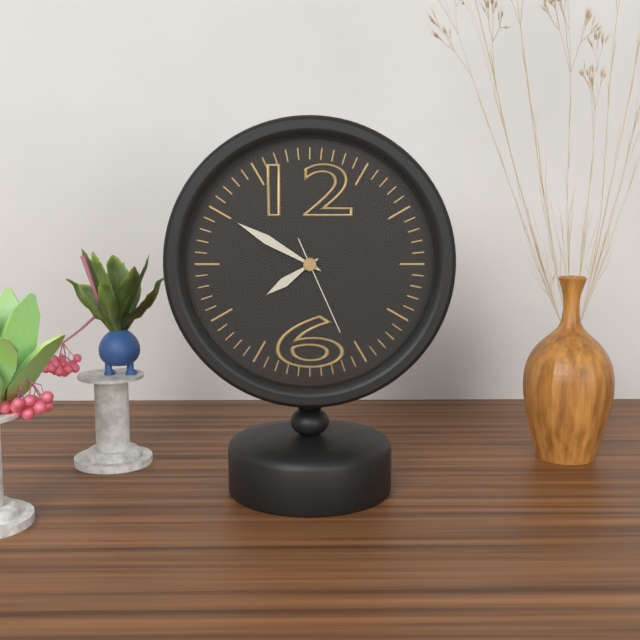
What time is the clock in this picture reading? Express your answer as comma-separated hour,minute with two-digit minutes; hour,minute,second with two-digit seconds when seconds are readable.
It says 7,50,26
